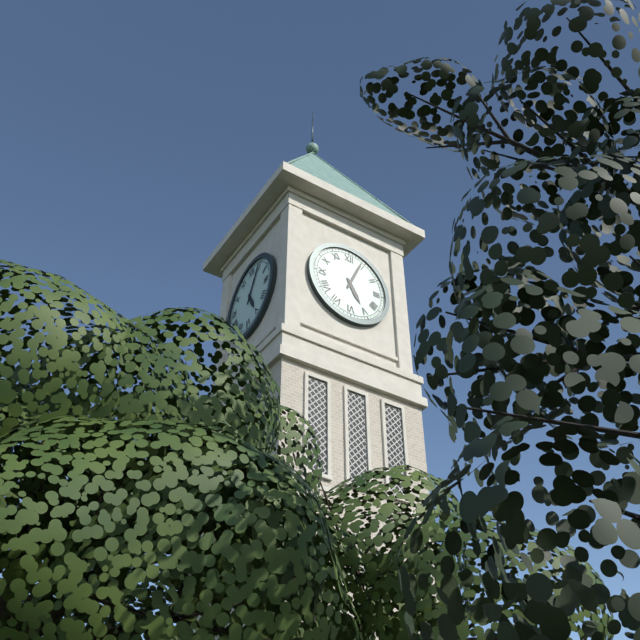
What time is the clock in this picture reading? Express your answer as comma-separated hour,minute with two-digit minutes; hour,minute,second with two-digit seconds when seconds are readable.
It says 5,04
